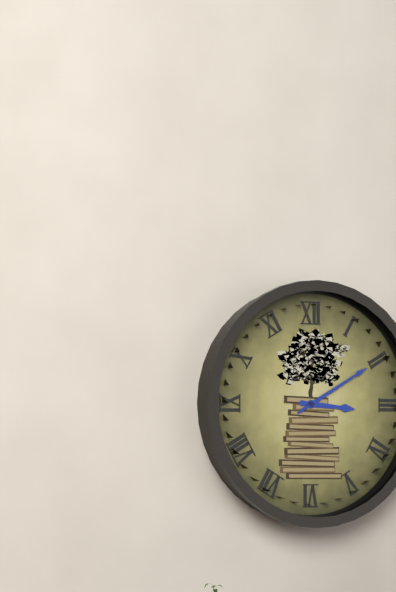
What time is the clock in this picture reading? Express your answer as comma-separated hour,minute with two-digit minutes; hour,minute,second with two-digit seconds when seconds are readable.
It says 3,10
